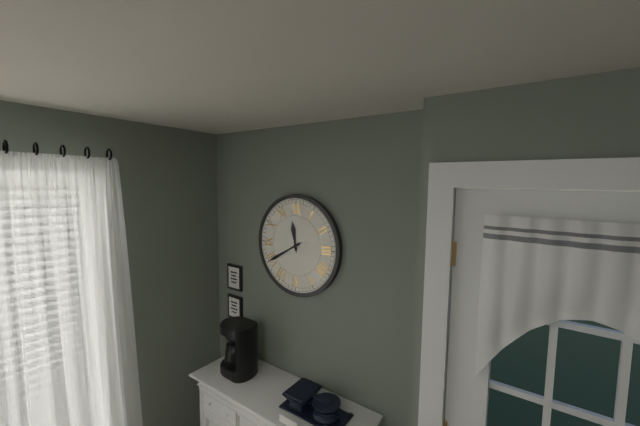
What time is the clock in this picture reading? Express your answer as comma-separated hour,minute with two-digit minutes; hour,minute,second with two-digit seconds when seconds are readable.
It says 11,40
